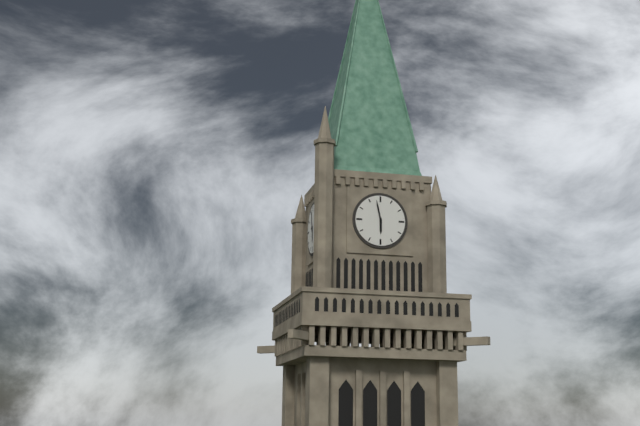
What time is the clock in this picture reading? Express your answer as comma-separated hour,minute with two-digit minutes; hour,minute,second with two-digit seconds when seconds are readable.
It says 5,58
